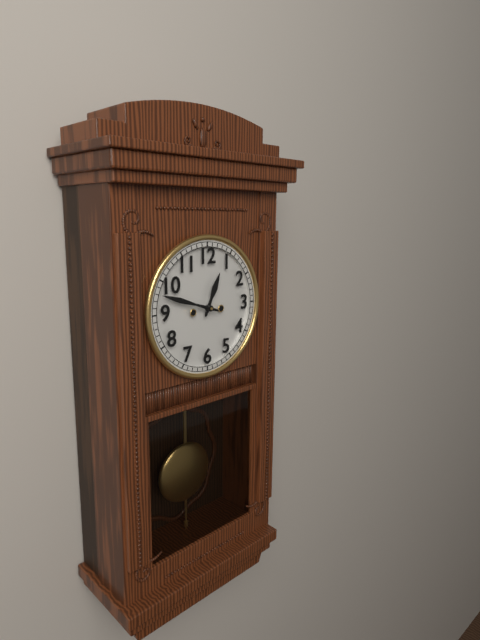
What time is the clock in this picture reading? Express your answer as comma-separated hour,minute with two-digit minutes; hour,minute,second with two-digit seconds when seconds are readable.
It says 12,48
